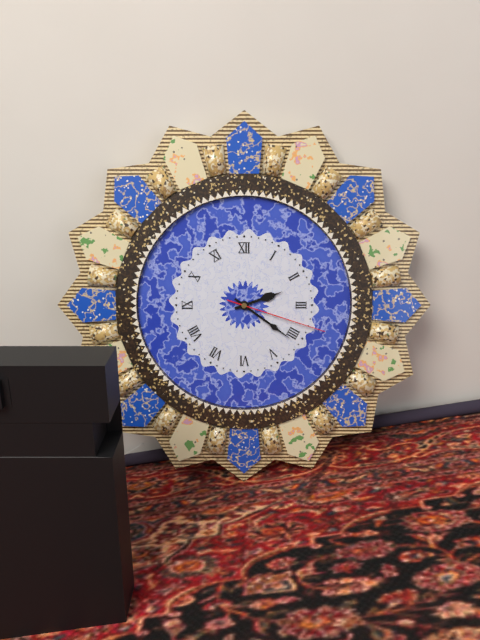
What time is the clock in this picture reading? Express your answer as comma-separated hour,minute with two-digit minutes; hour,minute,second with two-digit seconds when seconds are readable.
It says 2,21,18
